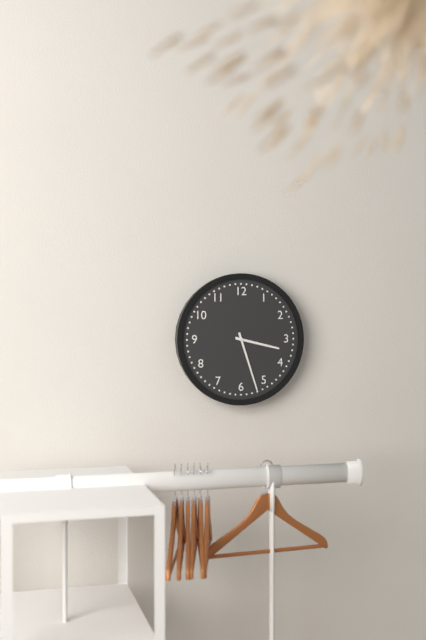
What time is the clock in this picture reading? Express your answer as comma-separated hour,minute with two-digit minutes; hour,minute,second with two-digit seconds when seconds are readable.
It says 3,27
